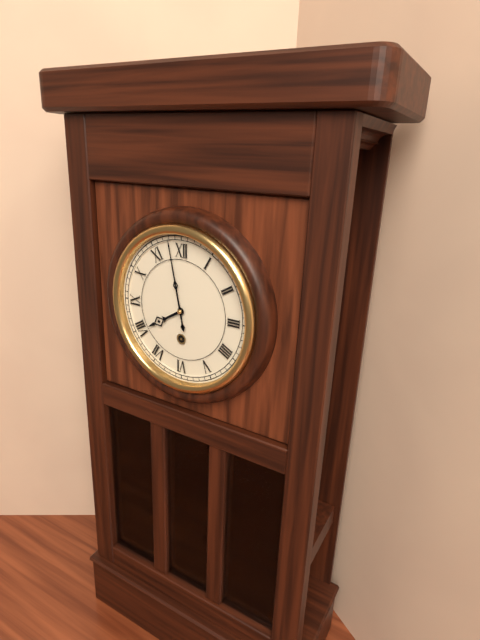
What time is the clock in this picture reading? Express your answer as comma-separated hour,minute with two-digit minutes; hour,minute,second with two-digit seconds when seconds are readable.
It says 7,58
